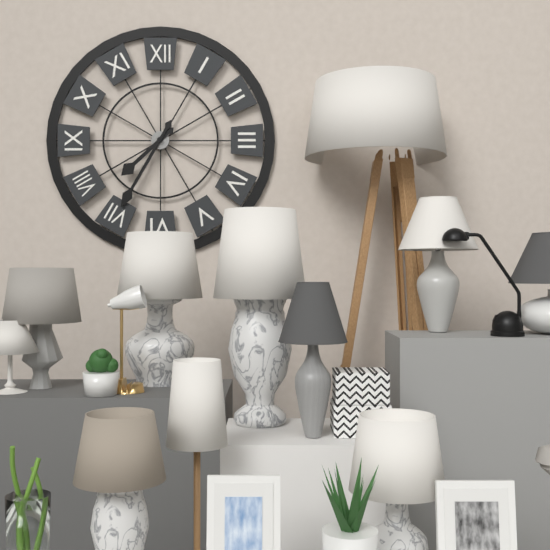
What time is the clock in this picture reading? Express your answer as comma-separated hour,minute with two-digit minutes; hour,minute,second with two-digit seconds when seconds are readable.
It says 7,35
